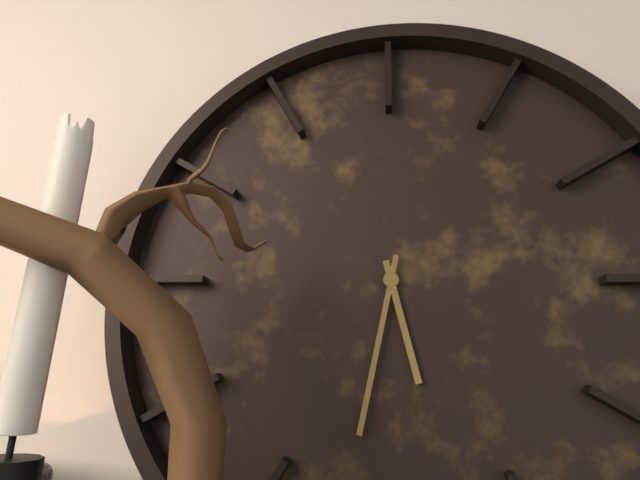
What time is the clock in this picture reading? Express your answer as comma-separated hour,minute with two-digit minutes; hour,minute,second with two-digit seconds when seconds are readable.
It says 5,32
